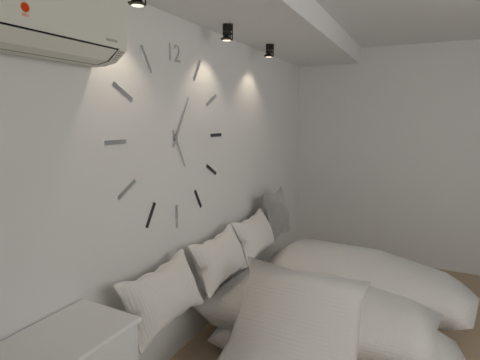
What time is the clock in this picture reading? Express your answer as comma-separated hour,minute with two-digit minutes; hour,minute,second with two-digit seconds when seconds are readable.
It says 5,05
